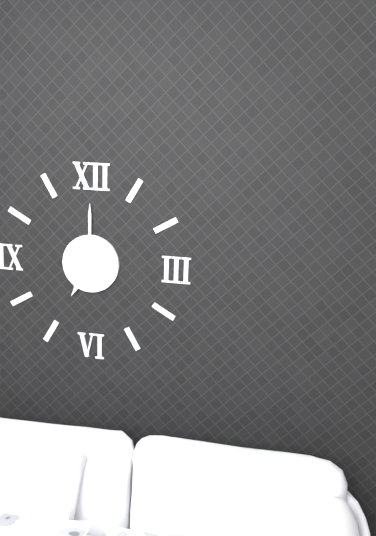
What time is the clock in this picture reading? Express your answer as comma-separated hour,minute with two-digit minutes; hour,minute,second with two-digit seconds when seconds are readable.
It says 7,00
